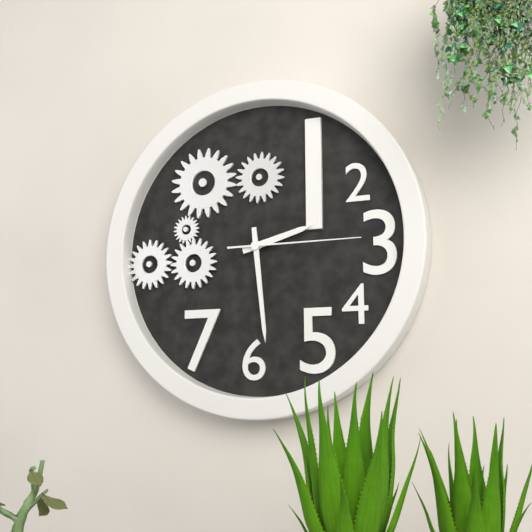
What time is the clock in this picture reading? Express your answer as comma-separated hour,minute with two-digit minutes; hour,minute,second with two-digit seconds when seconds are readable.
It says 2,29,15
